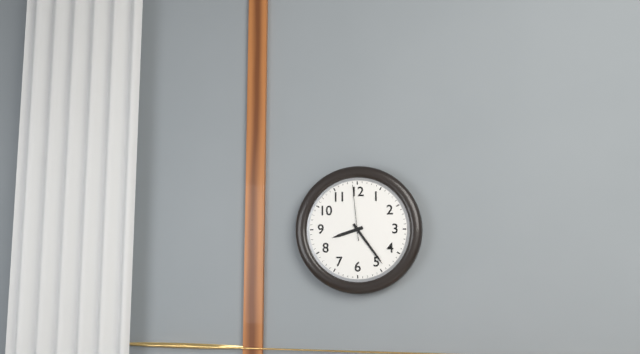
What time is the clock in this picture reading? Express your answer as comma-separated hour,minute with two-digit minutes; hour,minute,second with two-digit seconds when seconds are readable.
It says 8,24,59
